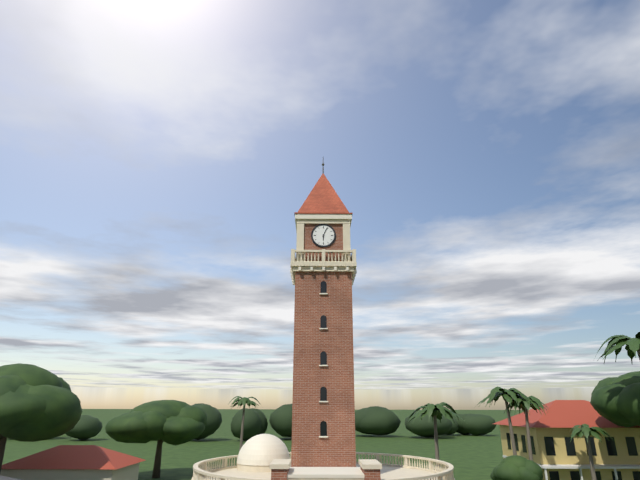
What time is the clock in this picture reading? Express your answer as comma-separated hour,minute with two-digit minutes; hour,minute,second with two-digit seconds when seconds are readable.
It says 6,04
